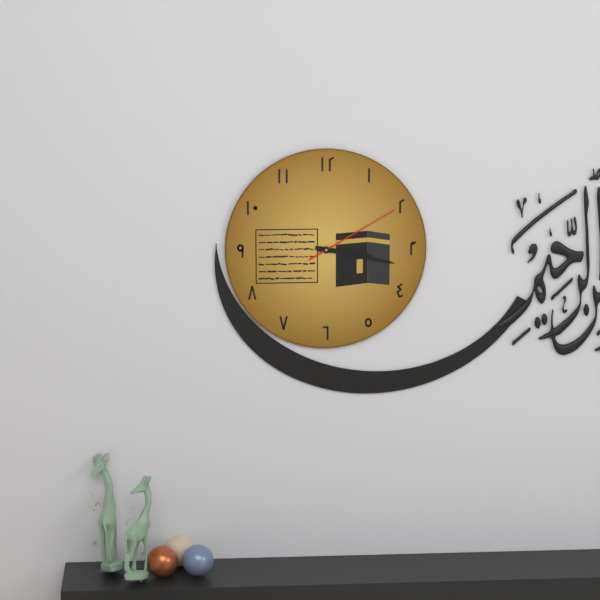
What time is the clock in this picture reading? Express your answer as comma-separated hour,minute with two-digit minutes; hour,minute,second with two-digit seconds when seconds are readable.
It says 3,17,10
